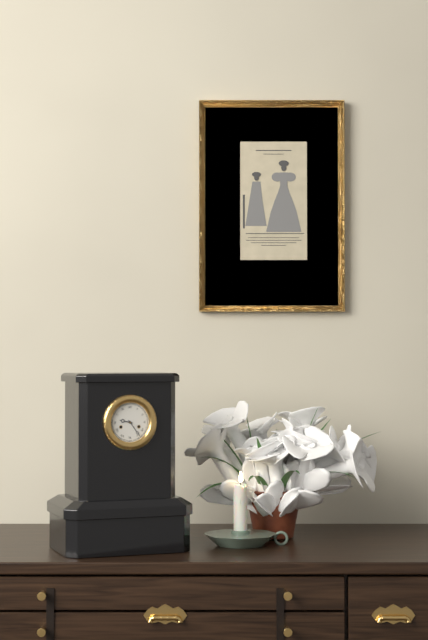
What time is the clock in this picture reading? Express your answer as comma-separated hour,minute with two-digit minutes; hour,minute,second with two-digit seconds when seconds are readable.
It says 9,24
